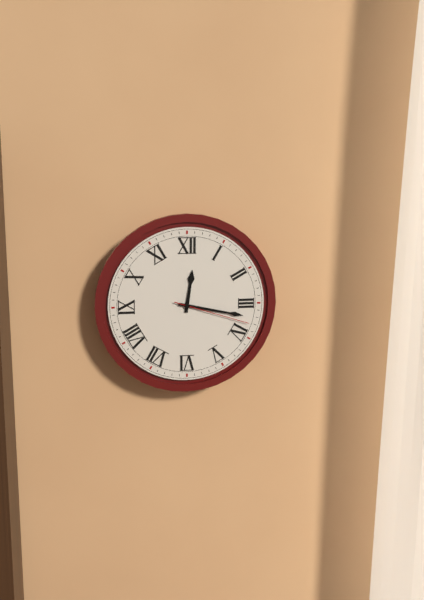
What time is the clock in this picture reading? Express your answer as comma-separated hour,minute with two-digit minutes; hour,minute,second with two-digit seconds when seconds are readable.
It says 12,17,18
